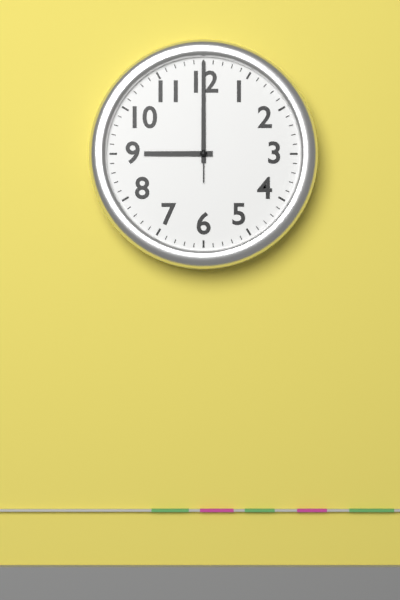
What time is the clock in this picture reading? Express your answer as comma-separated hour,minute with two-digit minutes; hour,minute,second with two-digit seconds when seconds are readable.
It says 9,00,00
